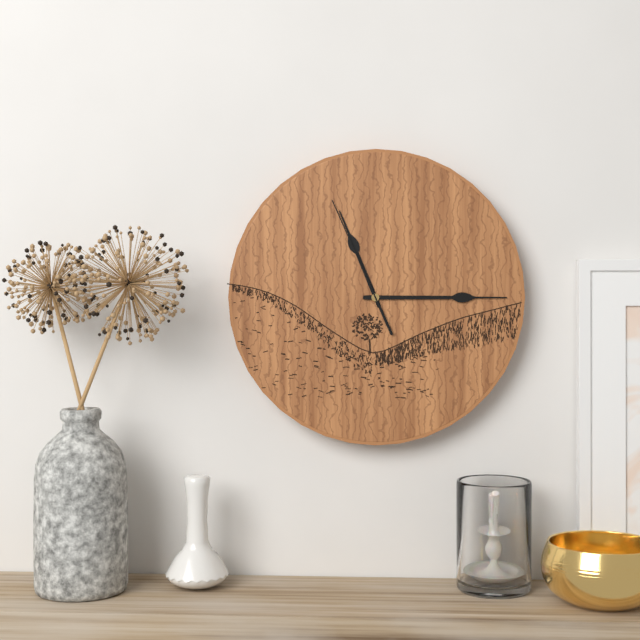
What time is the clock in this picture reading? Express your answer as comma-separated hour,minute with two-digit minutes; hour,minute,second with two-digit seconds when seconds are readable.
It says 11,15,56
